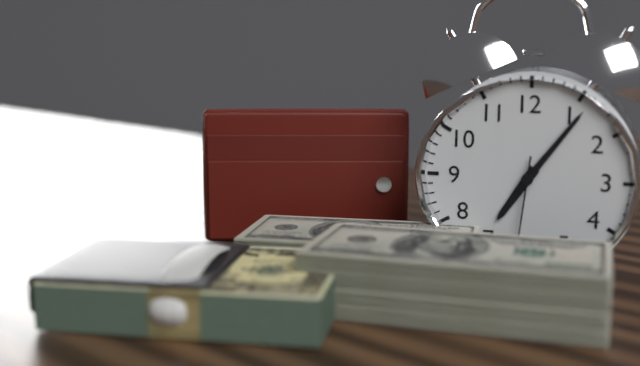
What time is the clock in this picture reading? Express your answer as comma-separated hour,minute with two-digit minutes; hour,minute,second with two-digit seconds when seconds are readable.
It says 7,06
